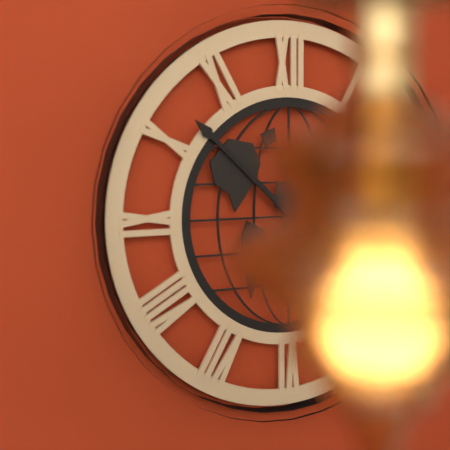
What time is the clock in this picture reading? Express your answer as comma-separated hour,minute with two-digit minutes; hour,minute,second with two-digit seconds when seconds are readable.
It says 12,52
